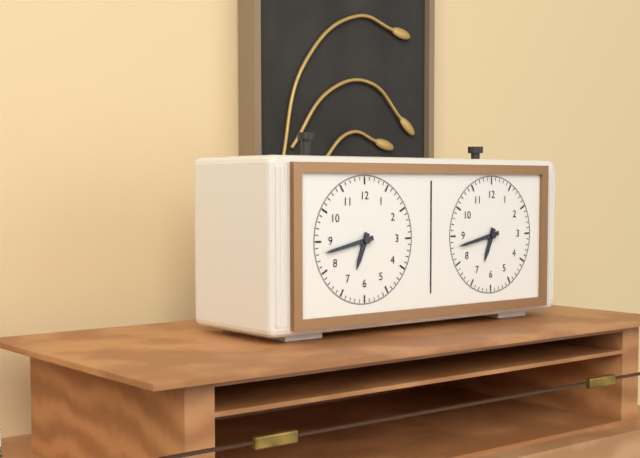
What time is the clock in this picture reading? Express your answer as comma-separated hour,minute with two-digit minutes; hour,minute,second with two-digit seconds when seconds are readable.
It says 6,43
